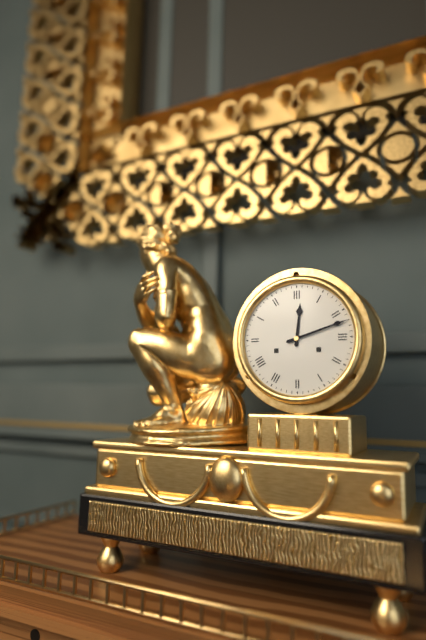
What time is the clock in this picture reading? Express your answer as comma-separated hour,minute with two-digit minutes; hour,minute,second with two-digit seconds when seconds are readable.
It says 12,12
